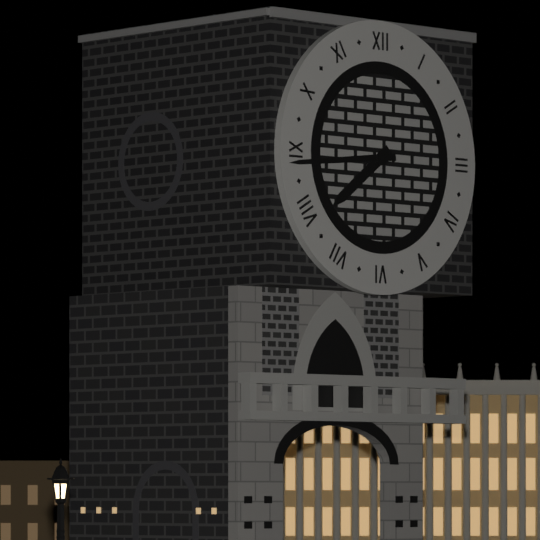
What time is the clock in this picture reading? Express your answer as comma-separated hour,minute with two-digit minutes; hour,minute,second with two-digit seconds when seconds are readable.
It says 7,44
